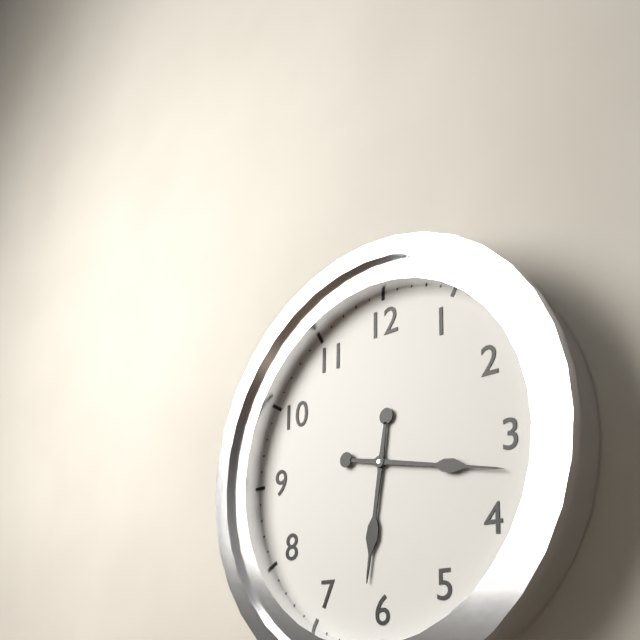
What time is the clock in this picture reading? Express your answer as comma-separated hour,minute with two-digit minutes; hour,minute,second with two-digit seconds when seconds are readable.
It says 6,17
